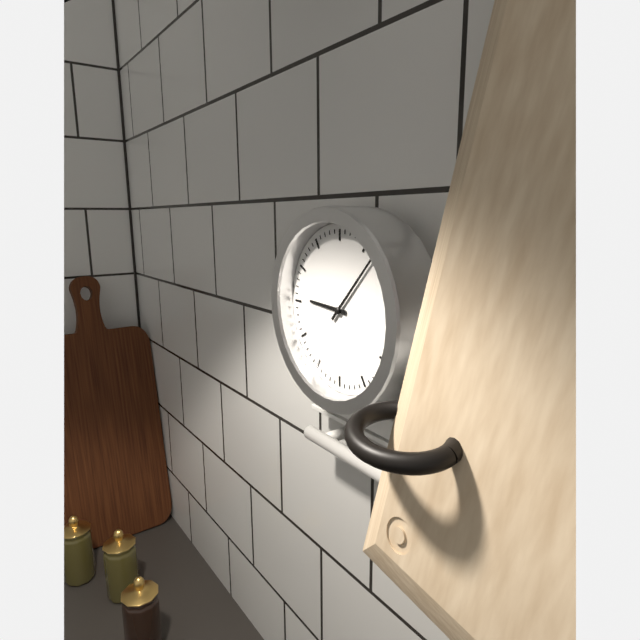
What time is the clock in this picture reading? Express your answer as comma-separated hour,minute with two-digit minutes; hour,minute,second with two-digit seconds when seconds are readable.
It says 9,07
